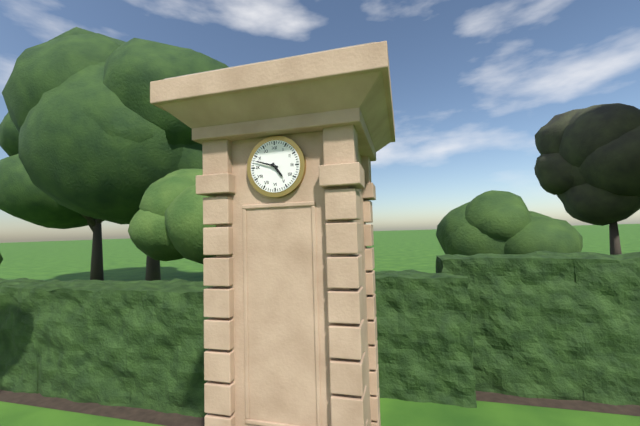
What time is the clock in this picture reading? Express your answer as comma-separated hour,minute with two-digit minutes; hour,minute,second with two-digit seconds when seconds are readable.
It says 4,48
